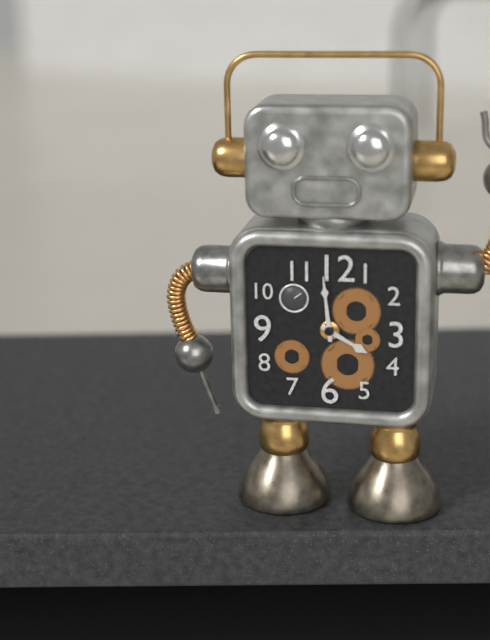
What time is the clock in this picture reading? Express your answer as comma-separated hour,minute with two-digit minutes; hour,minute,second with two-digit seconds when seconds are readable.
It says 3,59
